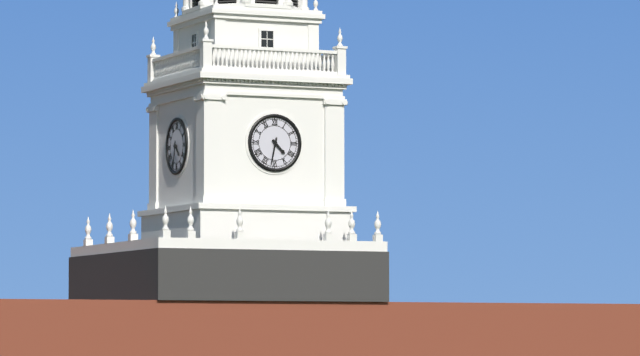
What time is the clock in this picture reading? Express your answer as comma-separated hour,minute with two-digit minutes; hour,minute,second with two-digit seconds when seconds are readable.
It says 4,32
